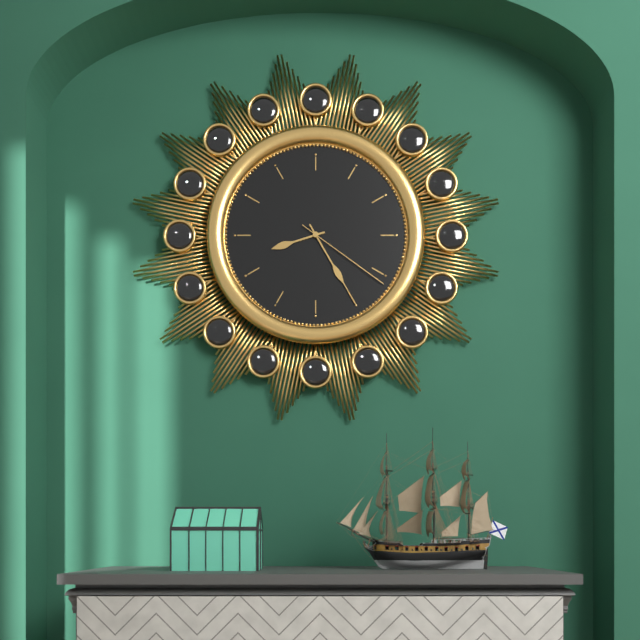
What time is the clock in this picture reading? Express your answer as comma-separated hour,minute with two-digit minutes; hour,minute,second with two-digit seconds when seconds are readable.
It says 8,25,21
